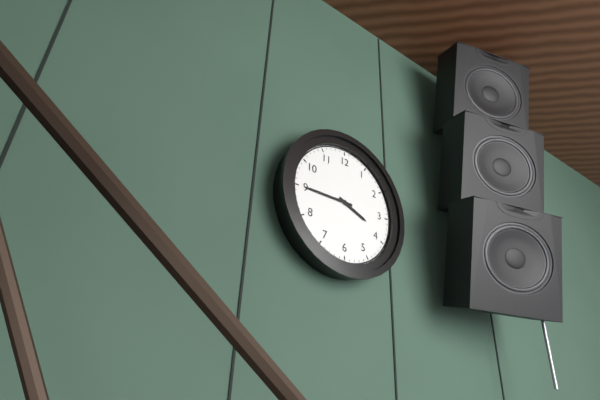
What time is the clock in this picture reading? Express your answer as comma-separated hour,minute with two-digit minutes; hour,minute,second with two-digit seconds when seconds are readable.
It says 3,45
